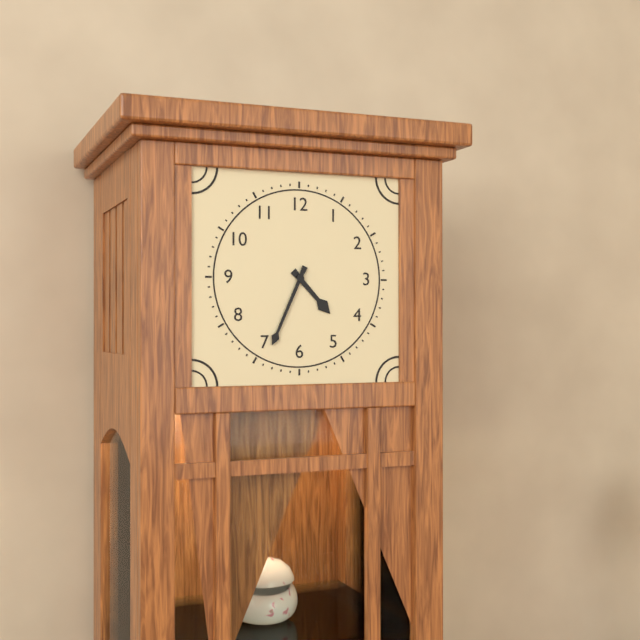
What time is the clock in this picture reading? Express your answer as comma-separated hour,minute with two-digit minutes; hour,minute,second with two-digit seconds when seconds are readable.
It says 4,34
